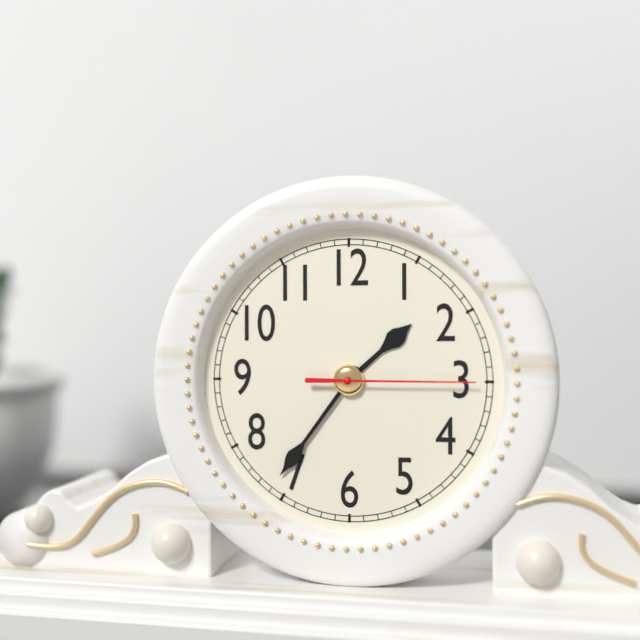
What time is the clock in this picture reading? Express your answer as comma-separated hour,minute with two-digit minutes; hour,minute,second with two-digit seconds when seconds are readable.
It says 1,36,15
